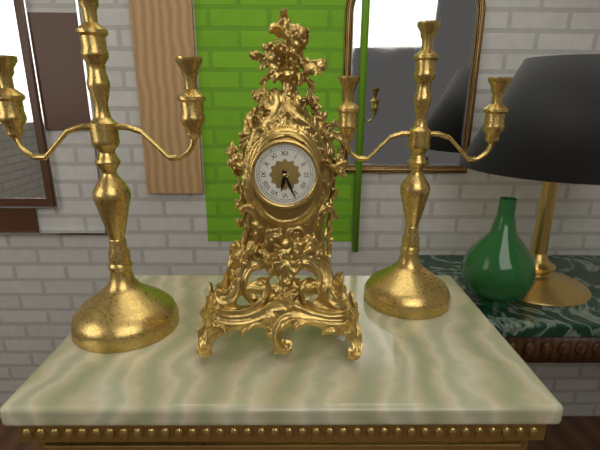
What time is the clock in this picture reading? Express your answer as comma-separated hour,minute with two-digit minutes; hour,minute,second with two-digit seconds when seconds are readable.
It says 6,26
